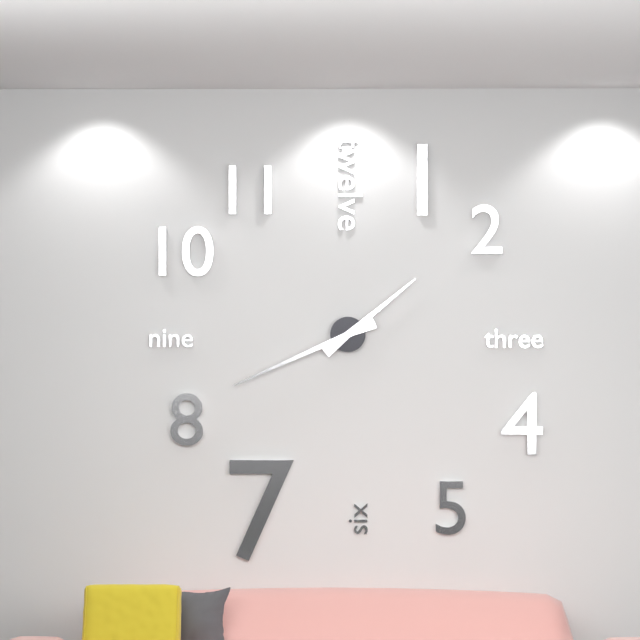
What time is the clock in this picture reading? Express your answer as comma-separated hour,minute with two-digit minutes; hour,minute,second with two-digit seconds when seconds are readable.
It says 1,41
